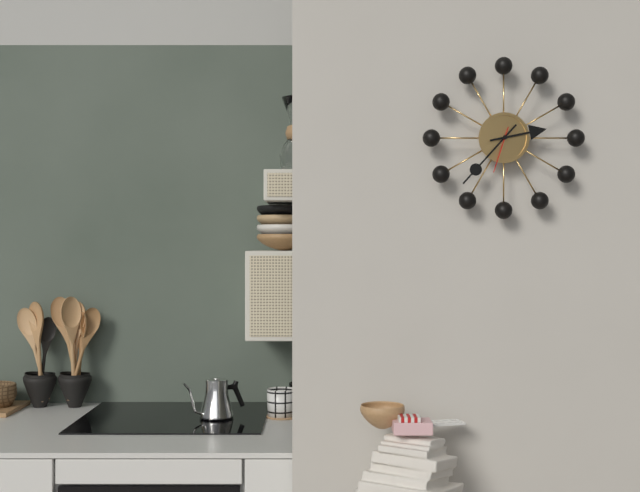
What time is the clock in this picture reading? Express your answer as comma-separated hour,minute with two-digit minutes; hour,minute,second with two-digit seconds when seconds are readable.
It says 2,37
